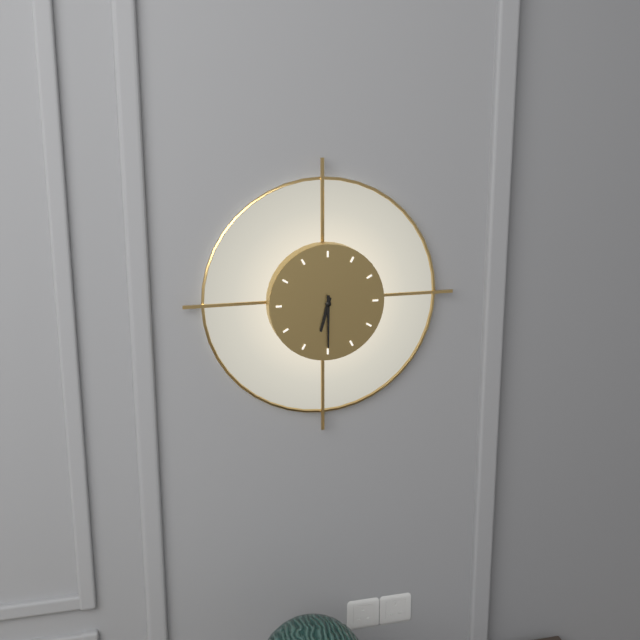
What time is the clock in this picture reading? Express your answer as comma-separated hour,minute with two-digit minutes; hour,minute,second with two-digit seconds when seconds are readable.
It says 6,30
